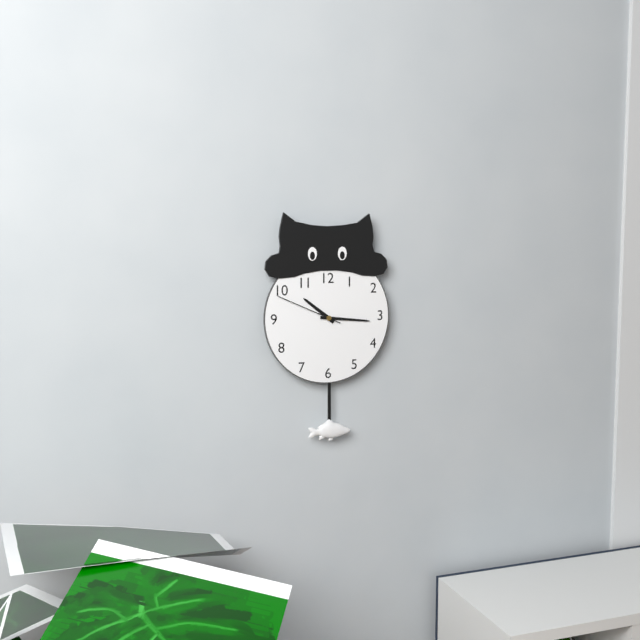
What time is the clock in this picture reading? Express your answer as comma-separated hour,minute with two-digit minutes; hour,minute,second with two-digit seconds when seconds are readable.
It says 10,16,49
